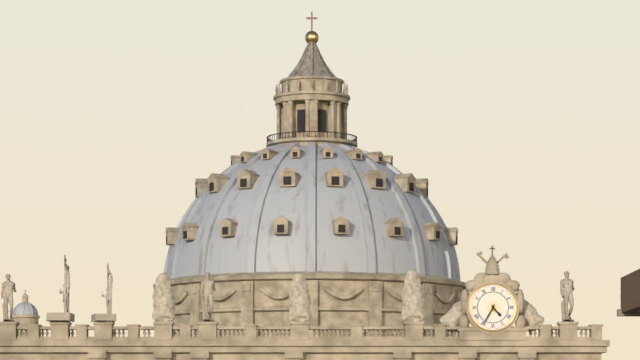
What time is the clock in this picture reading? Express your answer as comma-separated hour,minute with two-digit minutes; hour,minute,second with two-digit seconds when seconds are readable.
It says 4,35
